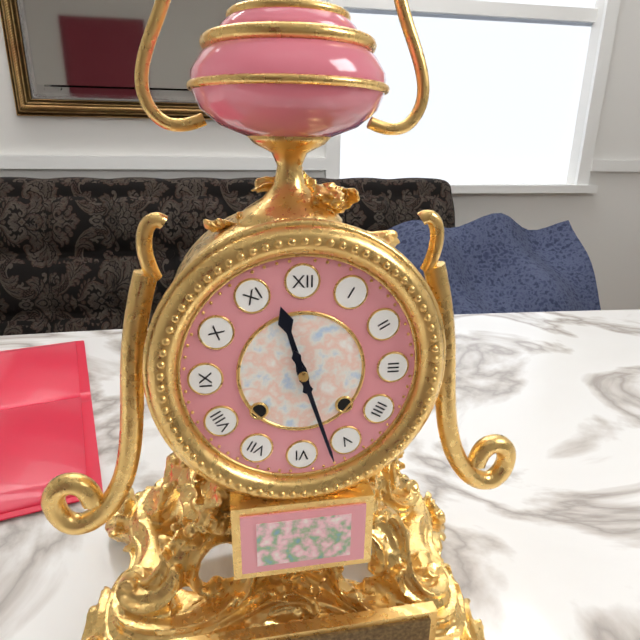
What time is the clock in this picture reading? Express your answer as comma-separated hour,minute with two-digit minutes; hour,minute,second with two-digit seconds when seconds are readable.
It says 11,27
